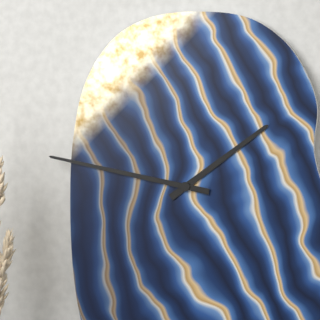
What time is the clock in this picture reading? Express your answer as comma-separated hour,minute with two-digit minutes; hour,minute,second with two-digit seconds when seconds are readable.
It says 1,47
